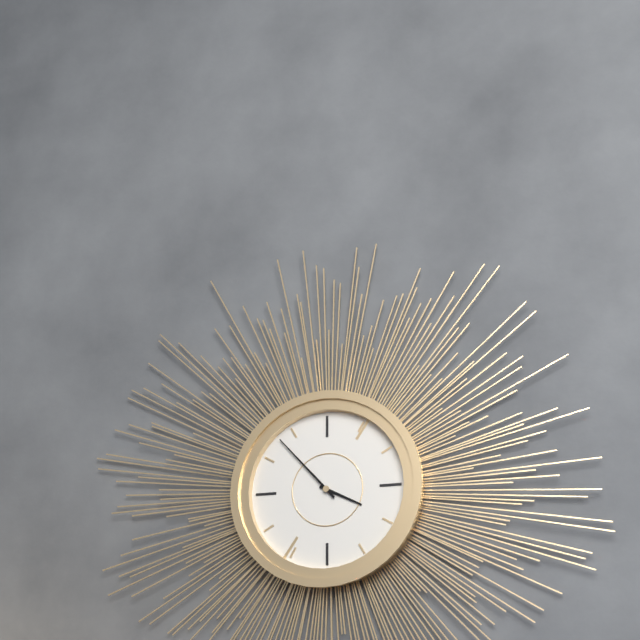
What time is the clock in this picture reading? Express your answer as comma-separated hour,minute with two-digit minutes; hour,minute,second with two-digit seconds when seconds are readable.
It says 3,53
